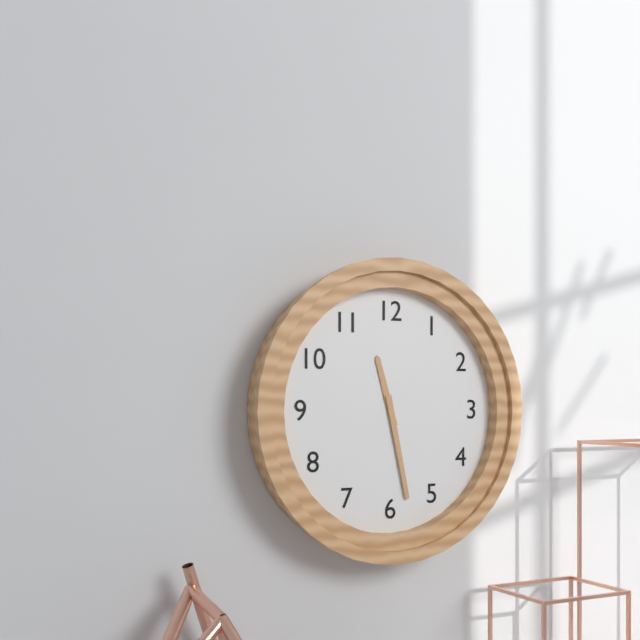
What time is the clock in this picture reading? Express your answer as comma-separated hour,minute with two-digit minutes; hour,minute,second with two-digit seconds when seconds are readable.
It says 11,28
